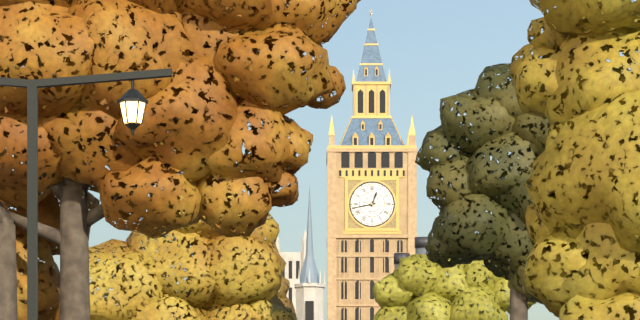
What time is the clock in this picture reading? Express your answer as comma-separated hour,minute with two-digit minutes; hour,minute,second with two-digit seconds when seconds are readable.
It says 12,43
